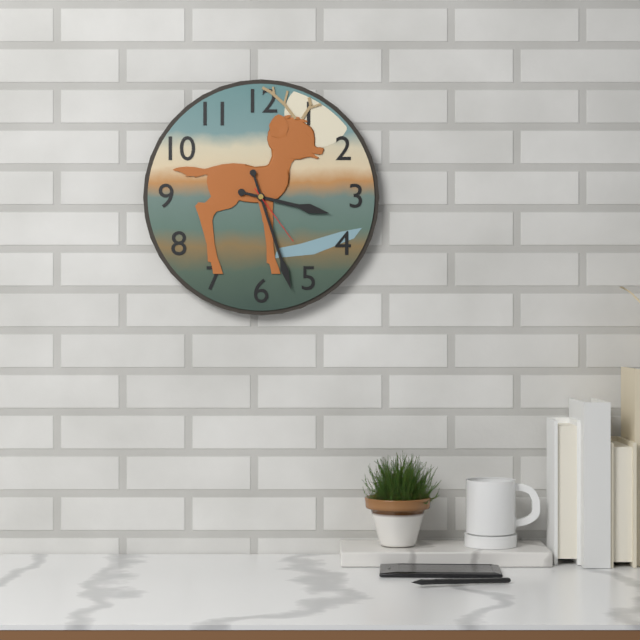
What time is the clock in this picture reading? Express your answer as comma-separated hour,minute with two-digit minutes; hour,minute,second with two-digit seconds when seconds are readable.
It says 3,27,24
